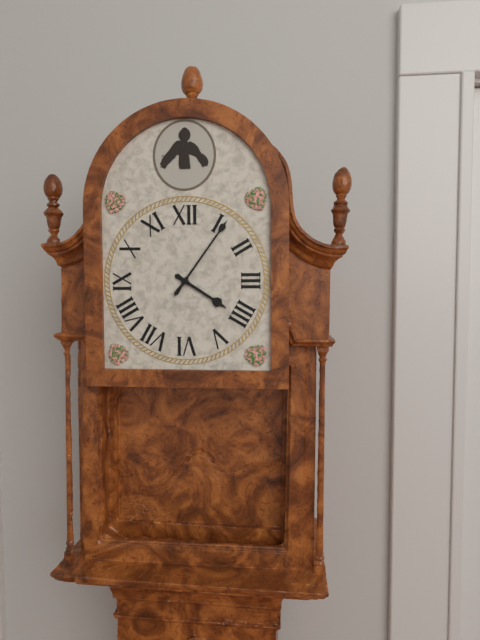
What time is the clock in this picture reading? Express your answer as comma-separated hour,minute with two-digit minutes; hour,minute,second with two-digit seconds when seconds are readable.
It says 4,06
